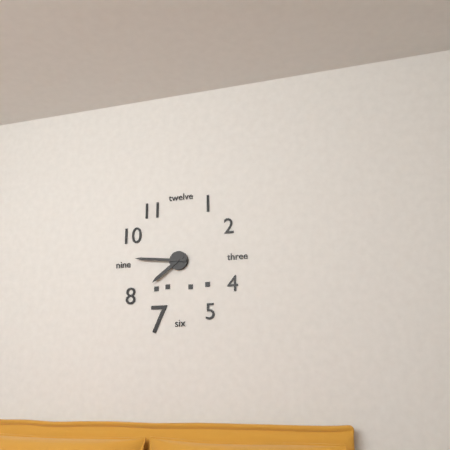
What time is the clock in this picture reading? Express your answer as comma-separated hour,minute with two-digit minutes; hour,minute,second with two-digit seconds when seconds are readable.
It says 7,46
